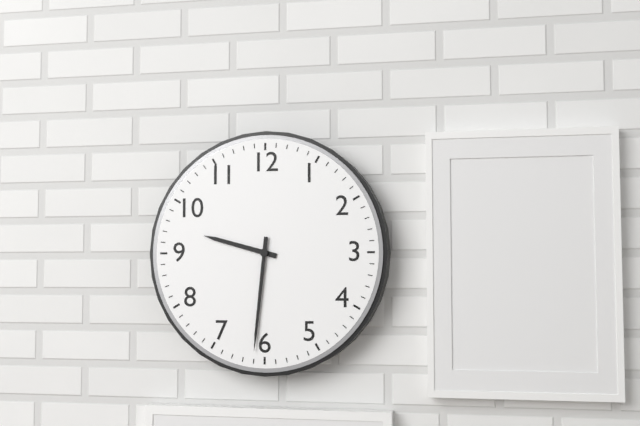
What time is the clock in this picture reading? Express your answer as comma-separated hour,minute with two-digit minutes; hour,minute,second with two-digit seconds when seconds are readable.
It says 9,31
